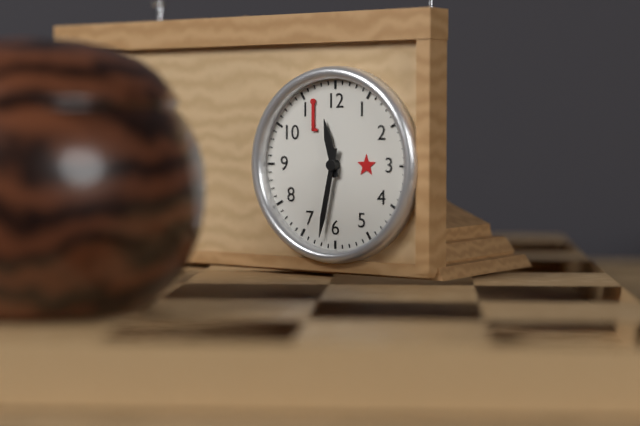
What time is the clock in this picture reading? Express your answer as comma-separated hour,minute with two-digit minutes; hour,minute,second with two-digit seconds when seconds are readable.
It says 11,32
